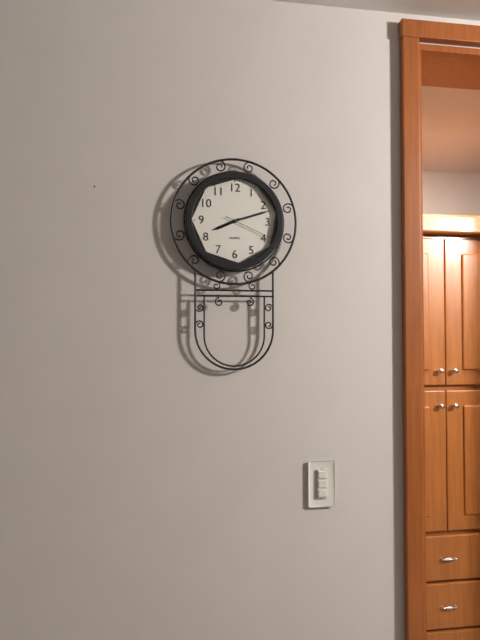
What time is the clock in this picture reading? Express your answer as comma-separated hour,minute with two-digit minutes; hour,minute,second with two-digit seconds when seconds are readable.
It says 8,12
